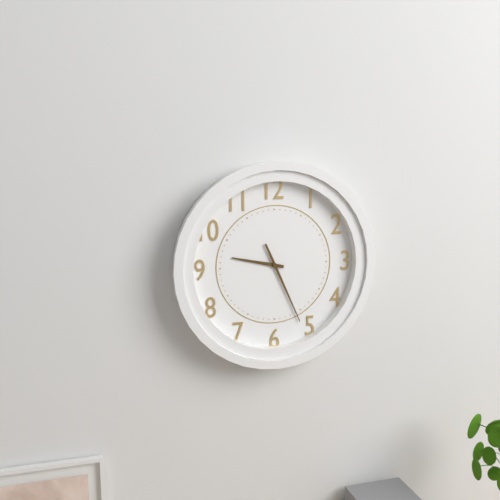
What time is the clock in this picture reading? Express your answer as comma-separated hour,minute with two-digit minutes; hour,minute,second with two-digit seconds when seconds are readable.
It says 9,26
